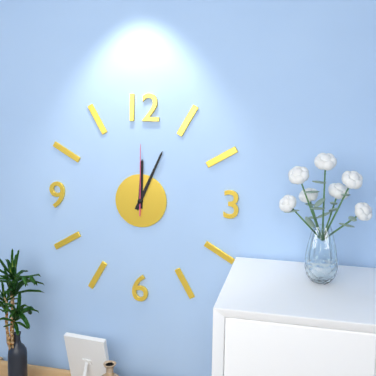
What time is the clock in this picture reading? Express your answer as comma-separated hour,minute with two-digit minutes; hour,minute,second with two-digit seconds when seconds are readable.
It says 12,04,00
